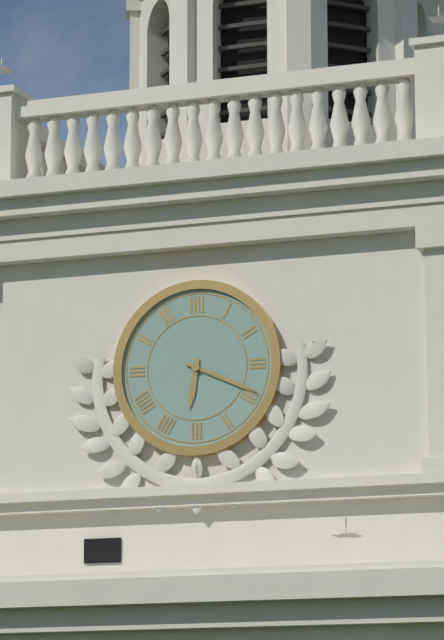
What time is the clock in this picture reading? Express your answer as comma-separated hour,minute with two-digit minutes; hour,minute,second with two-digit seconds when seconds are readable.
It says 6,19
